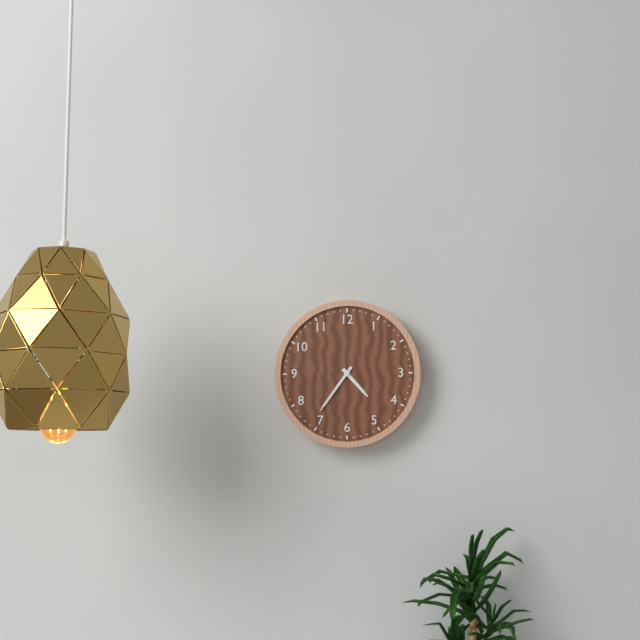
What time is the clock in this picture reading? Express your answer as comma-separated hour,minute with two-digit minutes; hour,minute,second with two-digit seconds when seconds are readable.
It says 4,36
